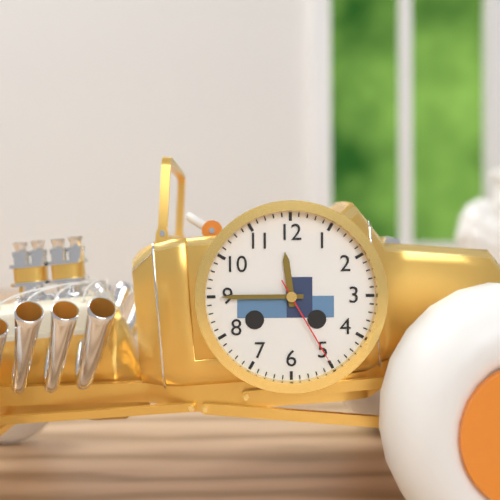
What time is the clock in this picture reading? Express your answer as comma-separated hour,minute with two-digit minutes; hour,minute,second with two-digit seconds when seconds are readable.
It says 11,45,25
